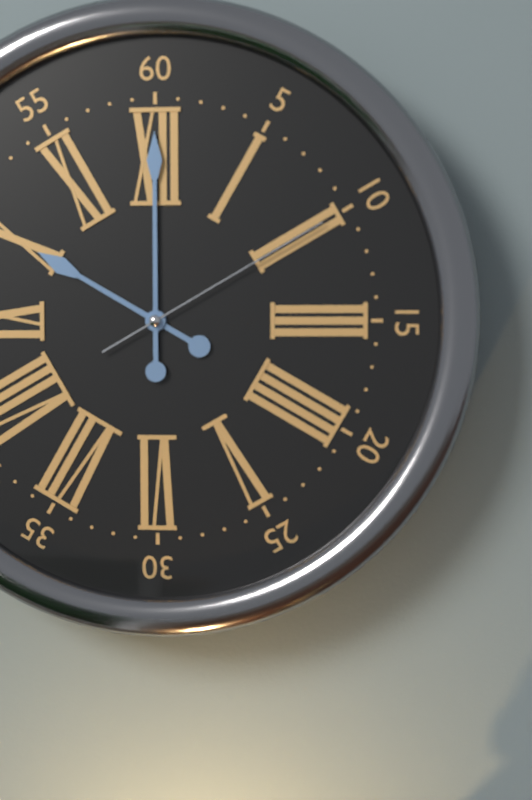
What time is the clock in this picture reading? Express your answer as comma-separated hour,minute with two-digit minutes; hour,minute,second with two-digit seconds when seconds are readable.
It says 10,00,10
